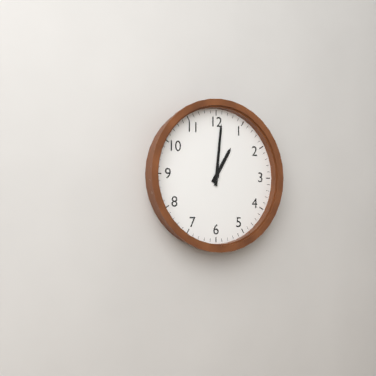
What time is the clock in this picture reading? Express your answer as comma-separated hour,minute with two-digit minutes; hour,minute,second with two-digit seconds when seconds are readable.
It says 1,01
